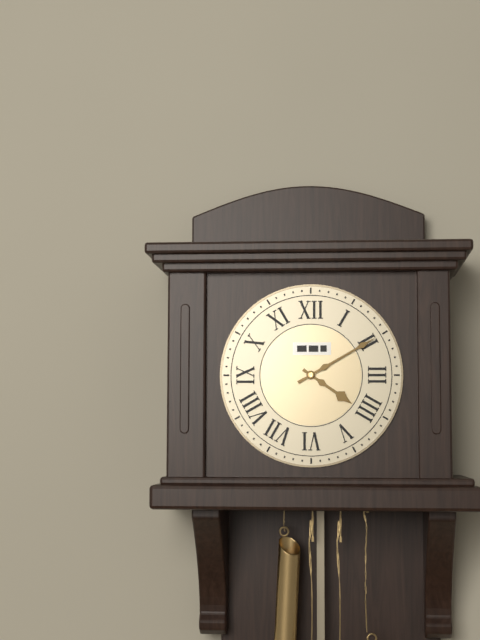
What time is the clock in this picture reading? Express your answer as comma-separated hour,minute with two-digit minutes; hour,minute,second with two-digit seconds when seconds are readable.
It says 4,10
